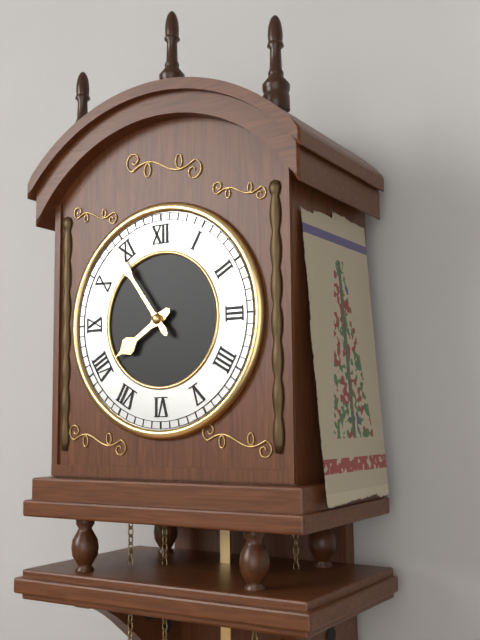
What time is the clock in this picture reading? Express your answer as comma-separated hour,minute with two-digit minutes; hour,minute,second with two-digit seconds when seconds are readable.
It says 7,54
